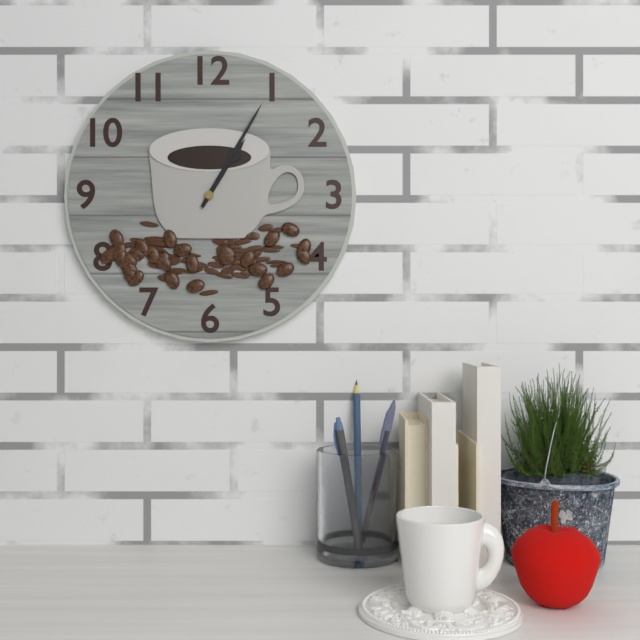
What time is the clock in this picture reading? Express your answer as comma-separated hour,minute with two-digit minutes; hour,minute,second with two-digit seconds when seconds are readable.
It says 1,05
